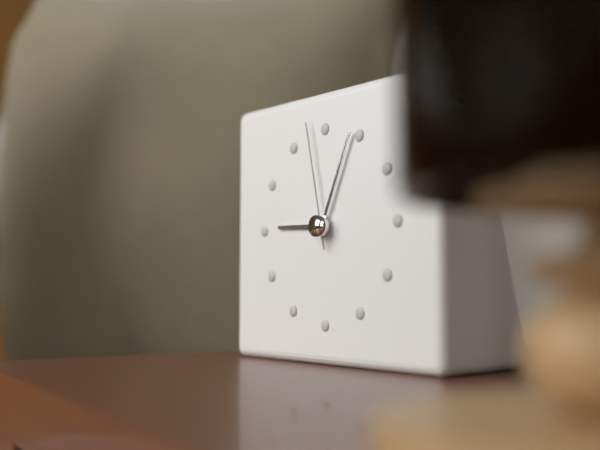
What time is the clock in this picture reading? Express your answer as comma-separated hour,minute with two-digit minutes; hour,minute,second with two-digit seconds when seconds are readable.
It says 9,04,58
